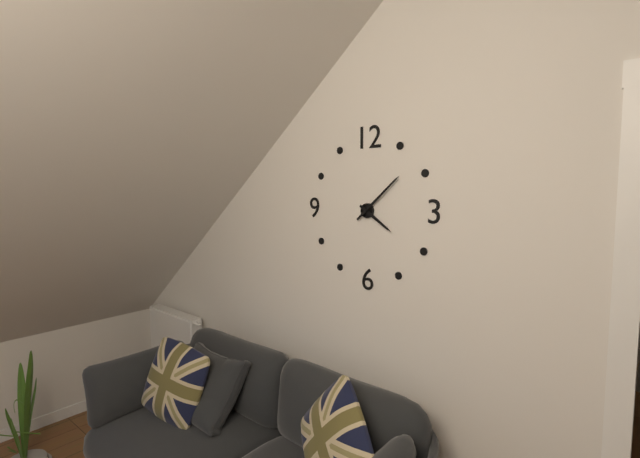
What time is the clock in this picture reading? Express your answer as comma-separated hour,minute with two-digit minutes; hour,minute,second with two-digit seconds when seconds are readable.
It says 4,08
